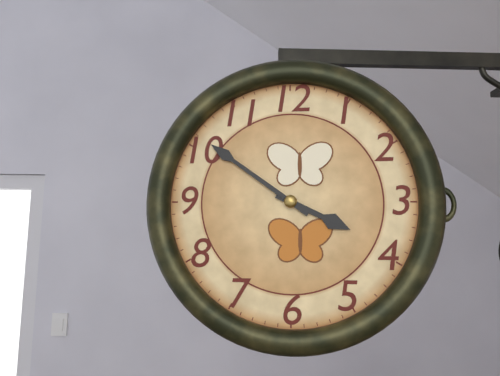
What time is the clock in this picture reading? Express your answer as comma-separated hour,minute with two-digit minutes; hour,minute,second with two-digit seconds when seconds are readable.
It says 3,51
